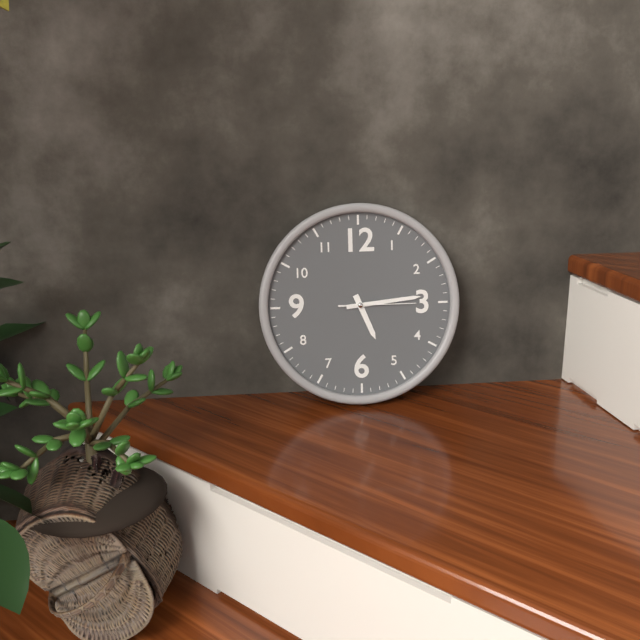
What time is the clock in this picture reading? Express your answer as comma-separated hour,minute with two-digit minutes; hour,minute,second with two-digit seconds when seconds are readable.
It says 5,14,15
